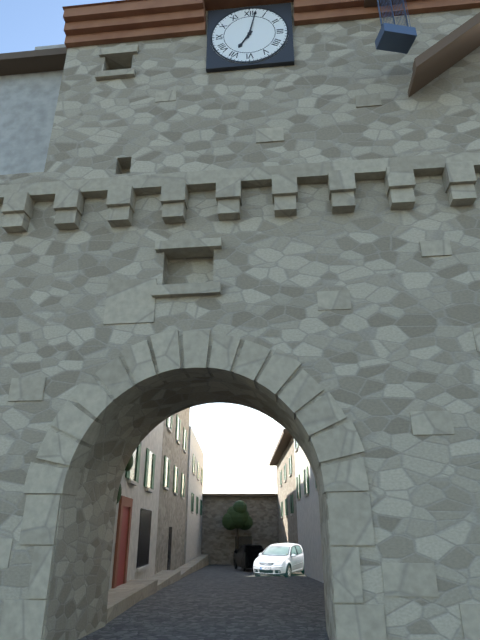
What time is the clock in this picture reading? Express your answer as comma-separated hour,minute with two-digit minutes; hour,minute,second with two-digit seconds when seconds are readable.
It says 7,02
